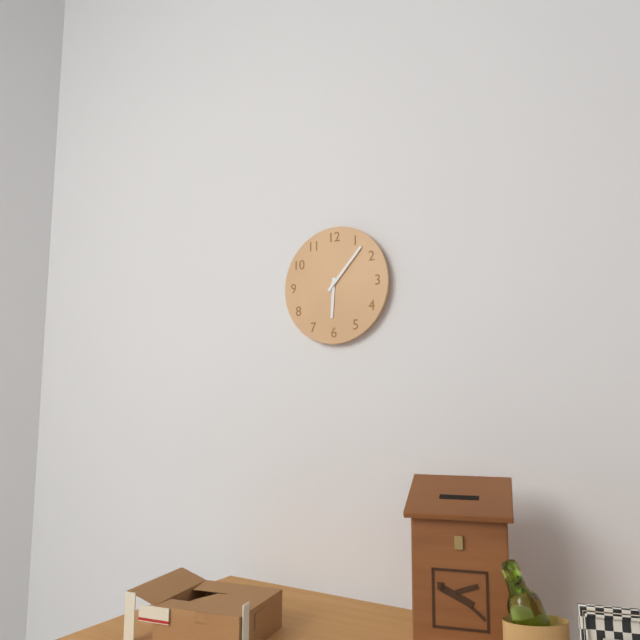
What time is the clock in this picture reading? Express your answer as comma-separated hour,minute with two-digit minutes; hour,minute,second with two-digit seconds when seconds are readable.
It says 6,07
